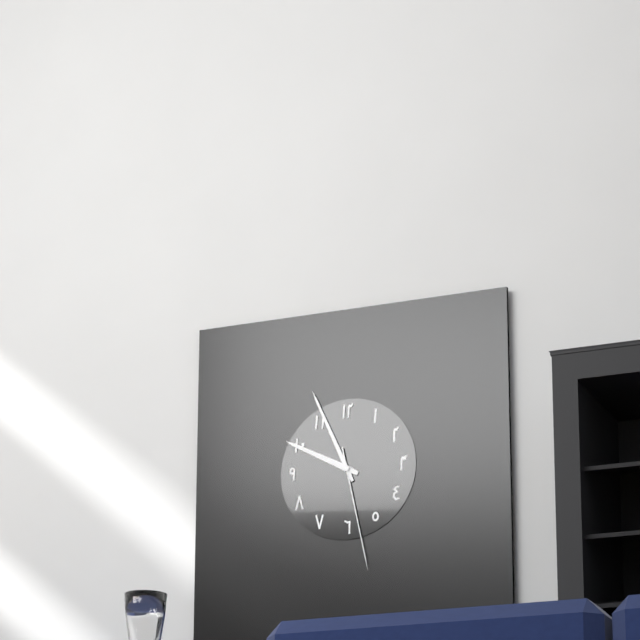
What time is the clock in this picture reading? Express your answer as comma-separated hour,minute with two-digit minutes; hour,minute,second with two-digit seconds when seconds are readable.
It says 9,56,28
